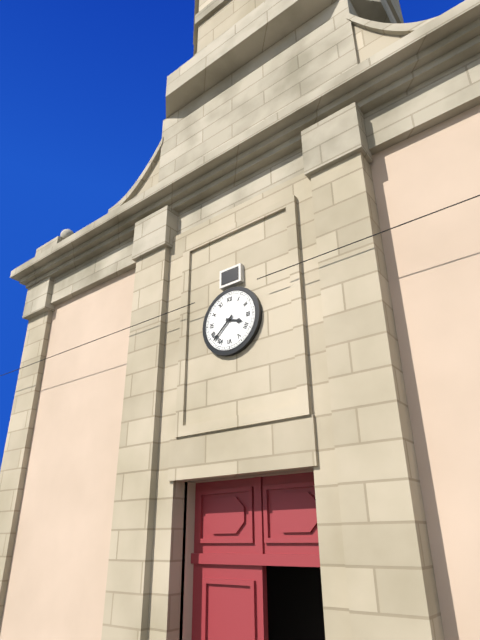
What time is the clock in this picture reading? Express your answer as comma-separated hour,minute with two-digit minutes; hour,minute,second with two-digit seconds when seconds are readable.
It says 3,38
